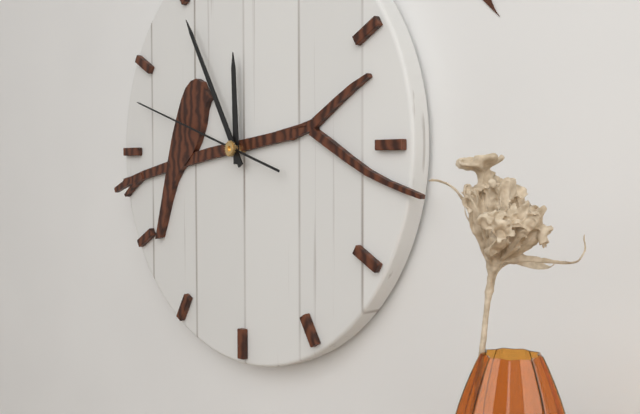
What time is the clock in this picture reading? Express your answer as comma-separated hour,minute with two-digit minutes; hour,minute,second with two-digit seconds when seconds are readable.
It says 11,55,48
